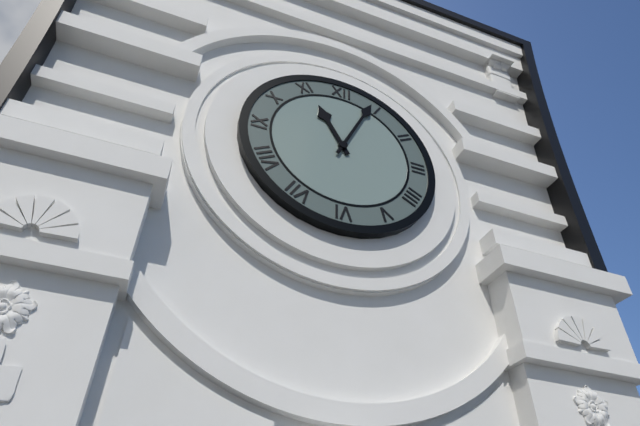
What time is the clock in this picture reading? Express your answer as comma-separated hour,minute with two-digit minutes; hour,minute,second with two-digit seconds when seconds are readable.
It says 11,04
